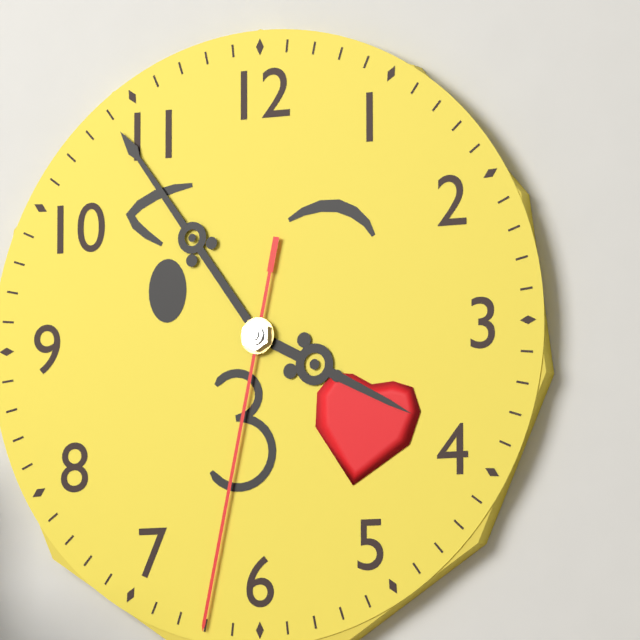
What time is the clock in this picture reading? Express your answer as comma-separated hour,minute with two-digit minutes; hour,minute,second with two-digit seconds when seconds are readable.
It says 3,54,32
